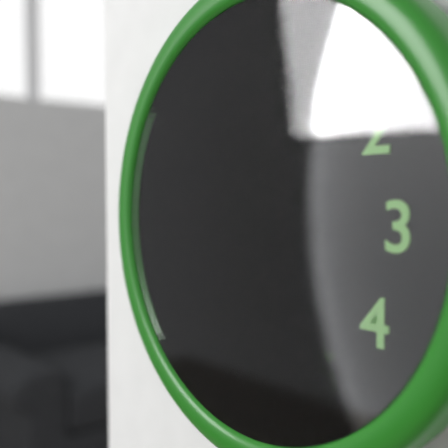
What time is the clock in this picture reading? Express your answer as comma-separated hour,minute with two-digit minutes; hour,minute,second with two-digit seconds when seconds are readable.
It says 10,01,45
